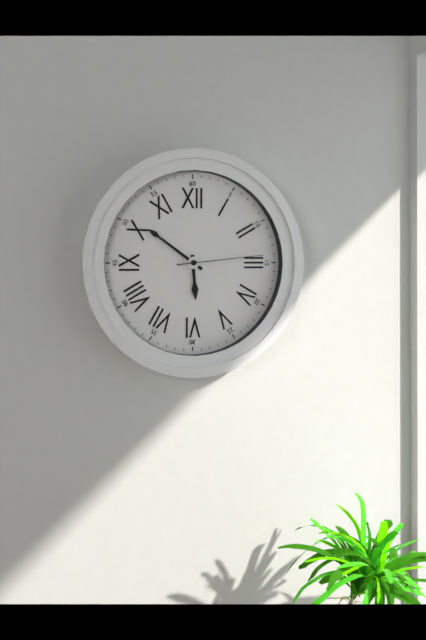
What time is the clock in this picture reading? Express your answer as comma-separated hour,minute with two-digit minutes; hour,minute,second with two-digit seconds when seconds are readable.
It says 5,51,14
